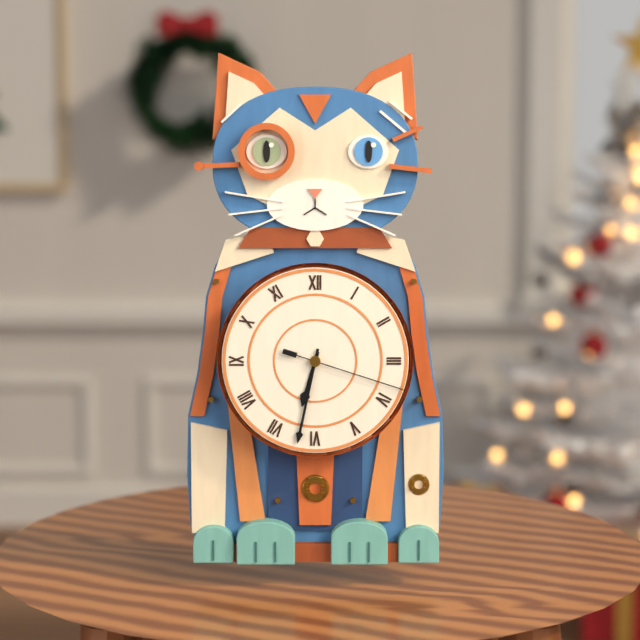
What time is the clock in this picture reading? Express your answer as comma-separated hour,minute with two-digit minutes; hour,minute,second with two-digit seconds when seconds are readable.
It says 6,32,18
